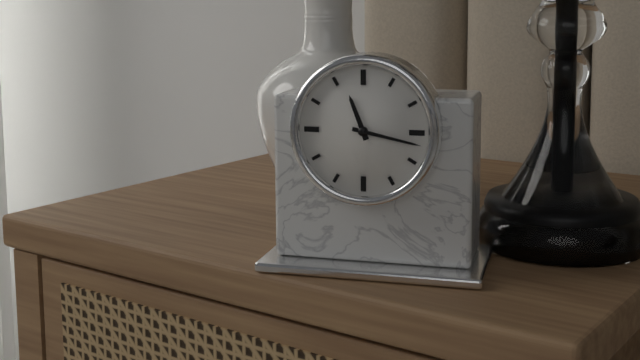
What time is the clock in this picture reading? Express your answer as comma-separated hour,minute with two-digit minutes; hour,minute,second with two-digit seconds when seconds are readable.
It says 11,17
